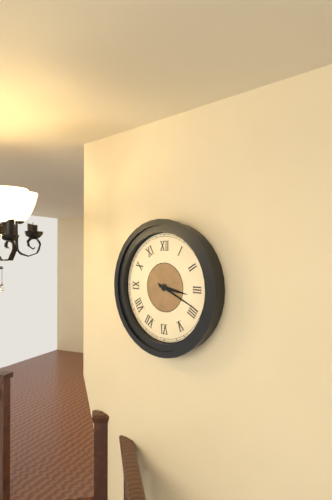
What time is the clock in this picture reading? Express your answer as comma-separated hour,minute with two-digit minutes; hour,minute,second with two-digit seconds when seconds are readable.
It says 3,19
